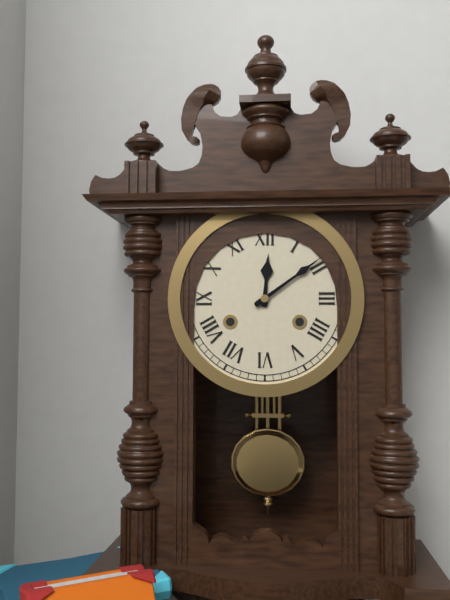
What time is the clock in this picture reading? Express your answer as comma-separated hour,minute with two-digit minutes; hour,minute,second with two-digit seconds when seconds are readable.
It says 12,09
